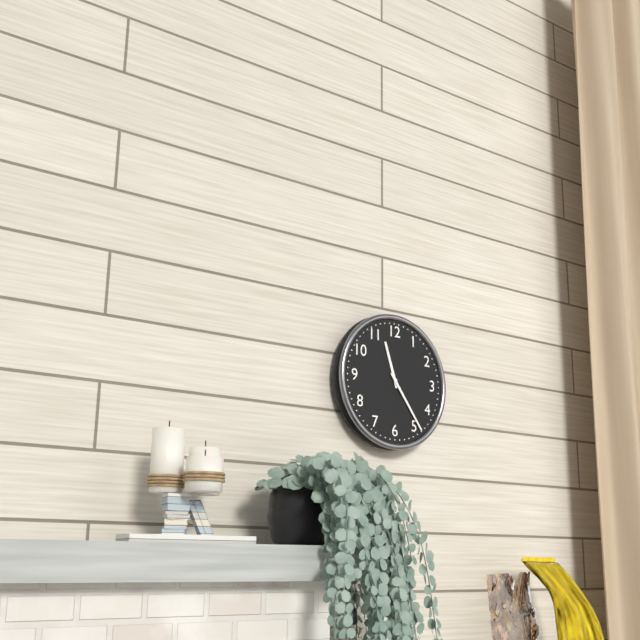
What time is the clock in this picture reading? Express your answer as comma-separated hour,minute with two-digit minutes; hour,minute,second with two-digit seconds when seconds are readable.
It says 11,24
